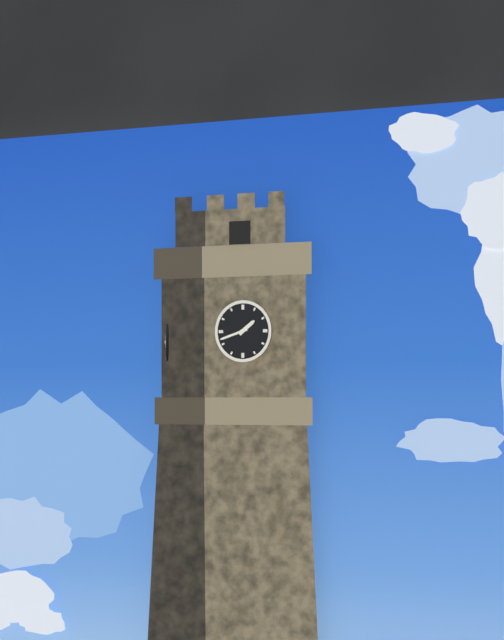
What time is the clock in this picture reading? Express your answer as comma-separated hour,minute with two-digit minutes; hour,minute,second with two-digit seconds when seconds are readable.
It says 1,42
